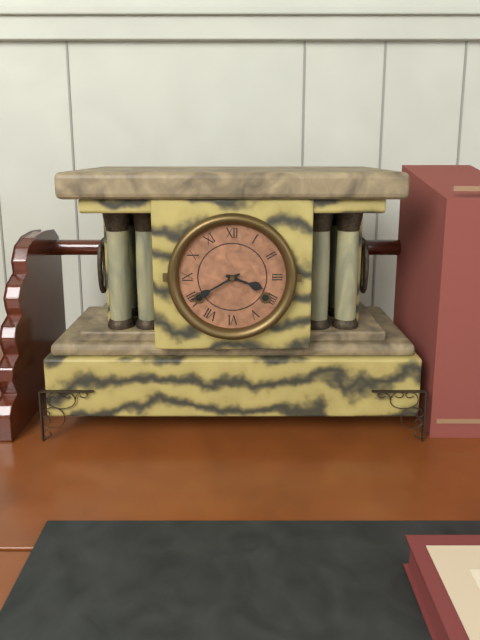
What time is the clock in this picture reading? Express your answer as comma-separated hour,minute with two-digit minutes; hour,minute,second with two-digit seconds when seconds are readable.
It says 3,40
